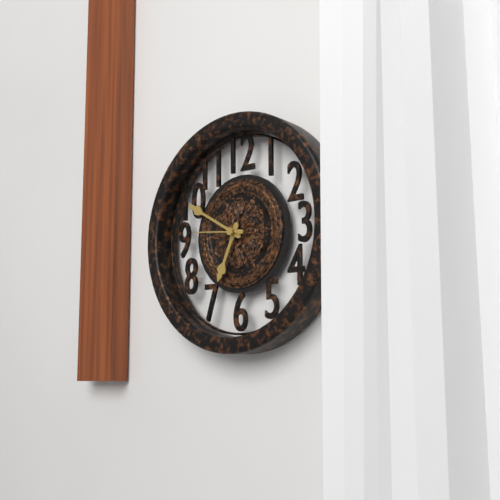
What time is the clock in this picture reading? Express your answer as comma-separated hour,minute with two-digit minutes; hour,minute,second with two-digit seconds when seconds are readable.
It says 6,50
